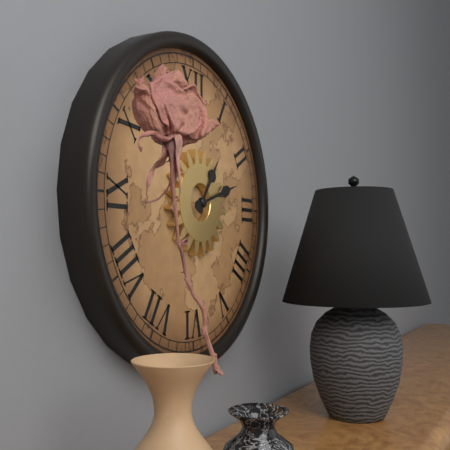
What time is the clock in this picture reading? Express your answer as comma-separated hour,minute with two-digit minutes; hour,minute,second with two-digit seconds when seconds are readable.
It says 1,12
